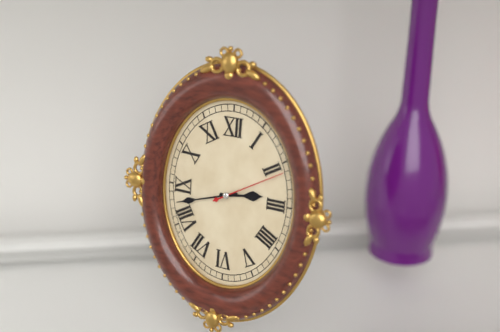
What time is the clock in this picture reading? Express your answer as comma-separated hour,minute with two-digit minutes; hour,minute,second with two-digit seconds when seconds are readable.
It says 2,42,10
